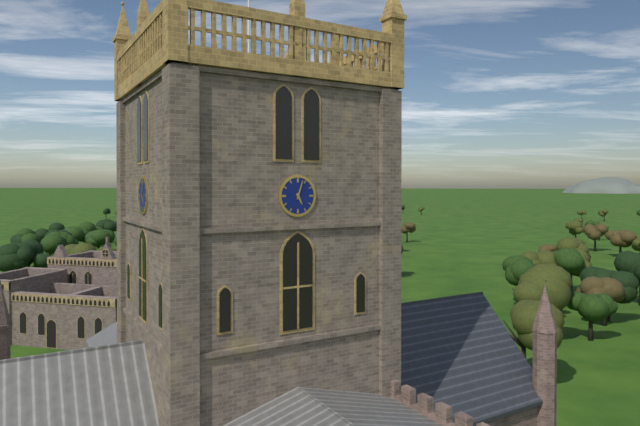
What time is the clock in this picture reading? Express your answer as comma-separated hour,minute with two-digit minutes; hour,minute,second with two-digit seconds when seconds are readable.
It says 5,03
